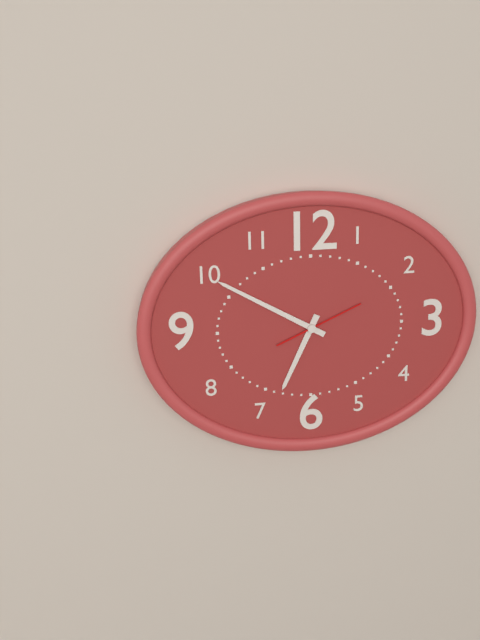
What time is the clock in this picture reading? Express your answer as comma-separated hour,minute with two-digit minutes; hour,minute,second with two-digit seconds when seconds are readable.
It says 6,50,11
